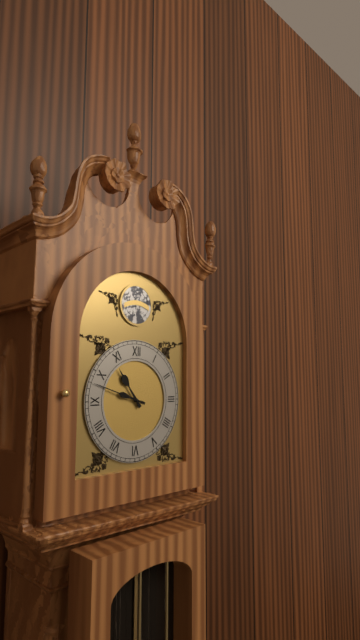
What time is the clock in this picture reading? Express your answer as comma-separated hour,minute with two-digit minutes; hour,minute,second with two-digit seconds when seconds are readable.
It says 10,48
